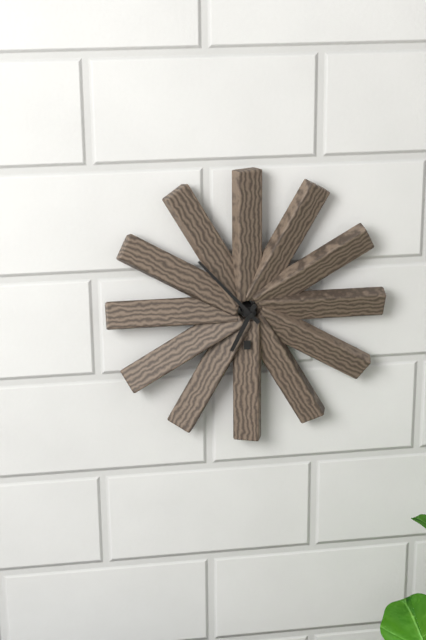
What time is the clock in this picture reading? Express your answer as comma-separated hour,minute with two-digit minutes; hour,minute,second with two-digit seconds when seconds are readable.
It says 6,53
